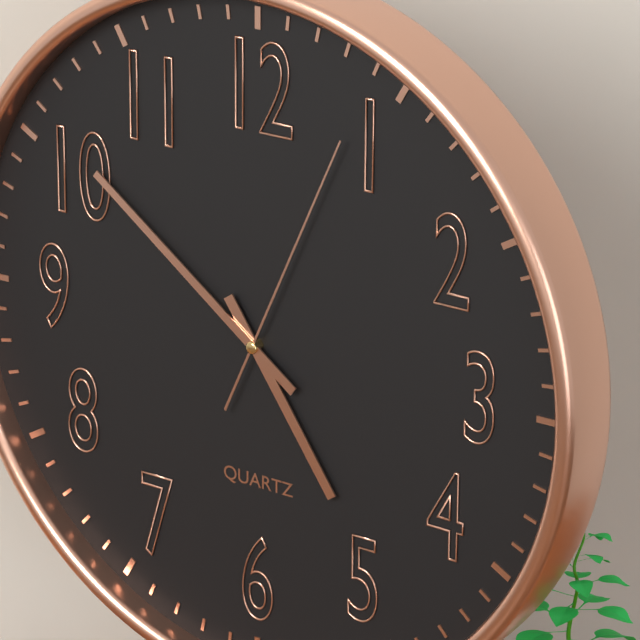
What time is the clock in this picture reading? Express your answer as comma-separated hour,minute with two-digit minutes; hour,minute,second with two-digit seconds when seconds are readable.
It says 4,51,04
